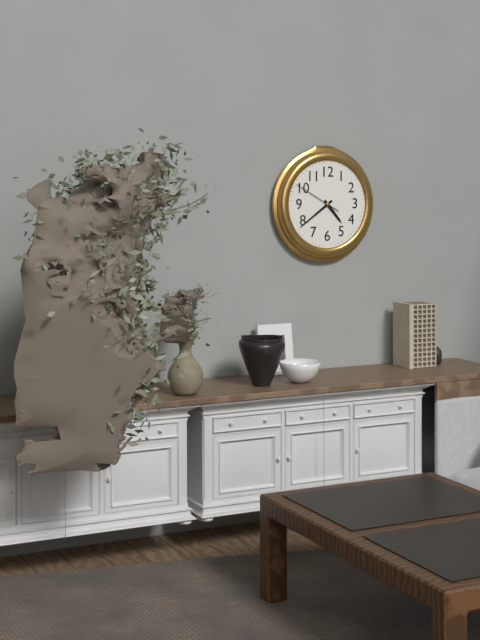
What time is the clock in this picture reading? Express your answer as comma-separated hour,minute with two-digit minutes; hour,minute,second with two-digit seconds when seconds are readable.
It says 4,39
